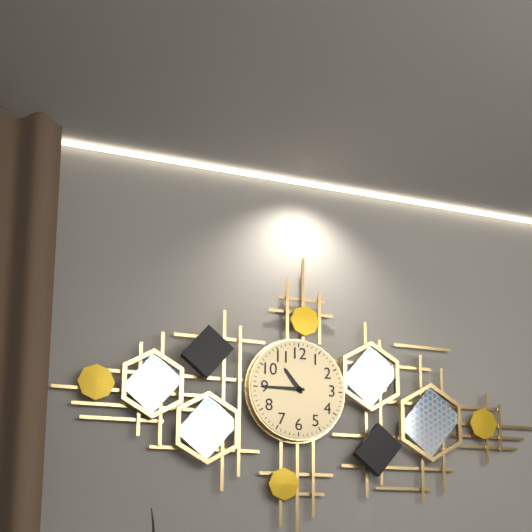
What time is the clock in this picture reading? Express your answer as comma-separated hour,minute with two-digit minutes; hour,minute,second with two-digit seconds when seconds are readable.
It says 10,45
